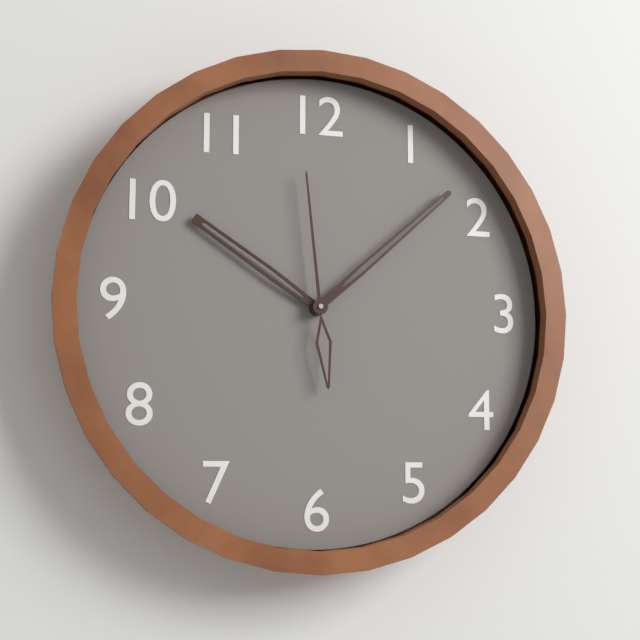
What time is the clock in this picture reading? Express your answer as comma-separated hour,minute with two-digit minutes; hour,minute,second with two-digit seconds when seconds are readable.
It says 10,08,59
